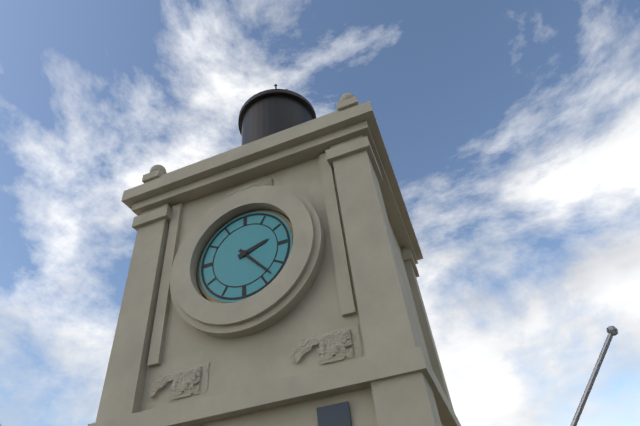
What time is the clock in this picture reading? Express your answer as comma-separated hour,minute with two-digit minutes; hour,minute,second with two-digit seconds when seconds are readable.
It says 2,23
